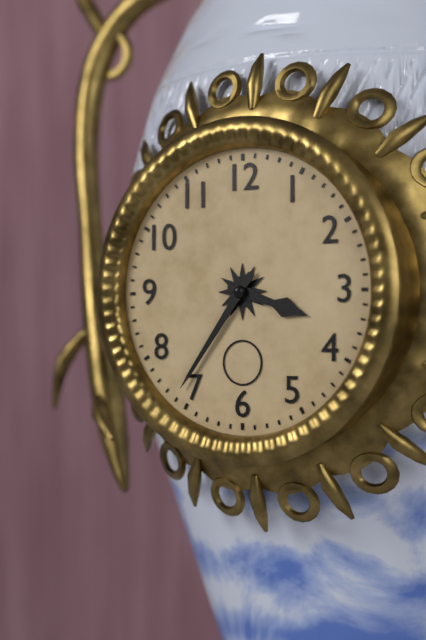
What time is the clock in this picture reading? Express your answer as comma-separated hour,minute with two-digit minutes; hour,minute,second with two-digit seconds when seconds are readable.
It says 3,36
